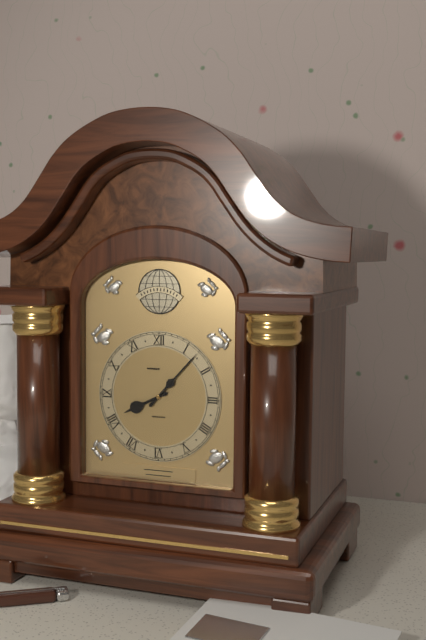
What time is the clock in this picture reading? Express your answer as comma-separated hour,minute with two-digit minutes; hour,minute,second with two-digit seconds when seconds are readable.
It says 8,07
